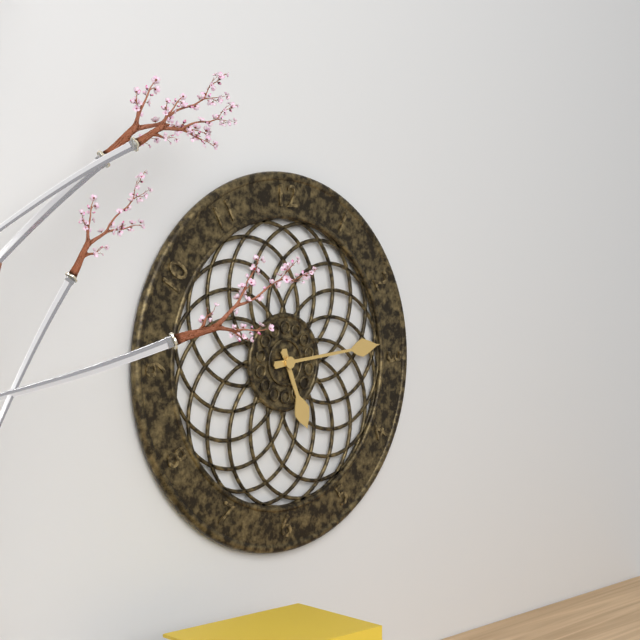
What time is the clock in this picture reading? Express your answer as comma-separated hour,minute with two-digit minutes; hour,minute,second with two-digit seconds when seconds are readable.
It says 5,14
